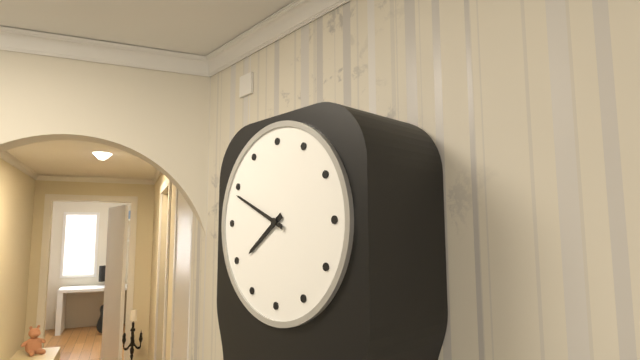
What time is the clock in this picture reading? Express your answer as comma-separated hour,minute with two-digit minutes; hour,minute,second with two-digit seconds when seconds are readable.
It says 7,49
